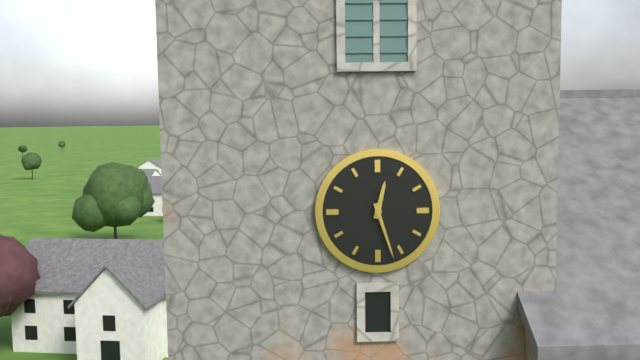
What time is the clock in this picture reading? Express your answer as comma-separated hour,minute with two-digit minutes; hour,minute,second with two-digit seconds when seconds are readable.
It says 12,27
